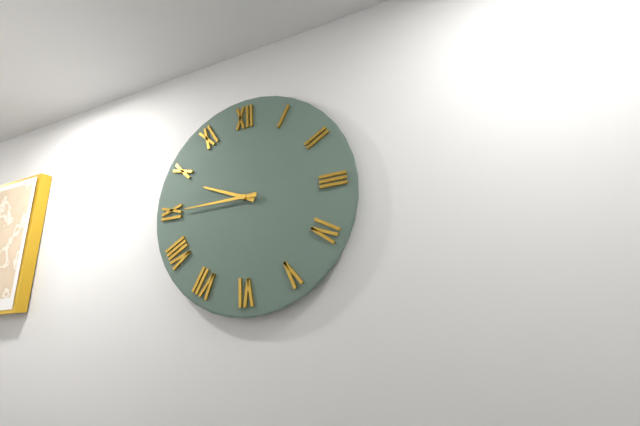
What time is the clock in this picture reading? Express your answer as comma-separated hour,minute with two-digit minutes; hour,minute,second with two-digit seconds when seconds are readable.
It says 9,45
